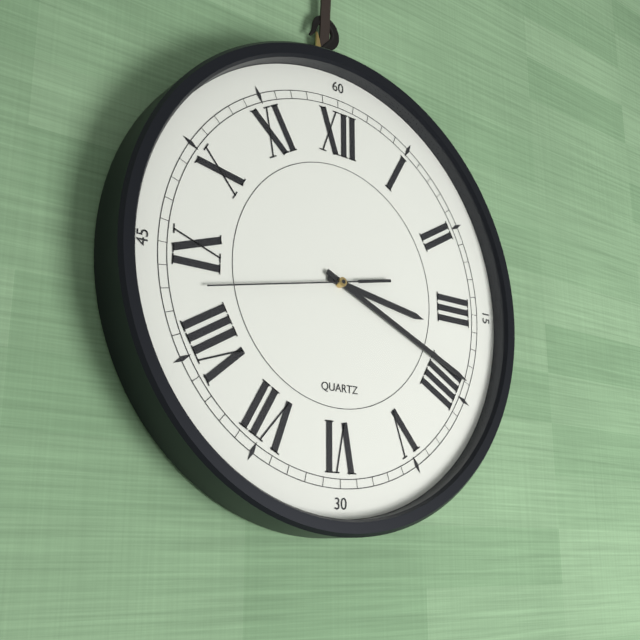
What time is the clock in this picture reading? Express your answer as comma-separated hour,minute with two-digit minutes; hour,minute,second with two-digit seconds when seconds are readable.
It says 3,19,43
